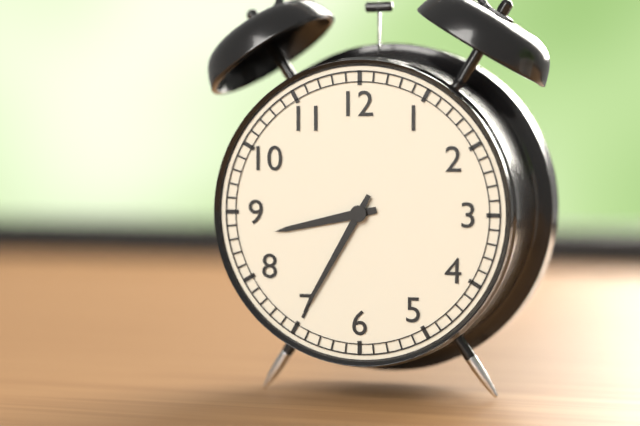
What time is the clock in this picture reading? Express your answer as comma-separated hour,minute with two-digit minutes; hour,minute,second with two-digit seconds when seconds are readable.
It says 8,35
